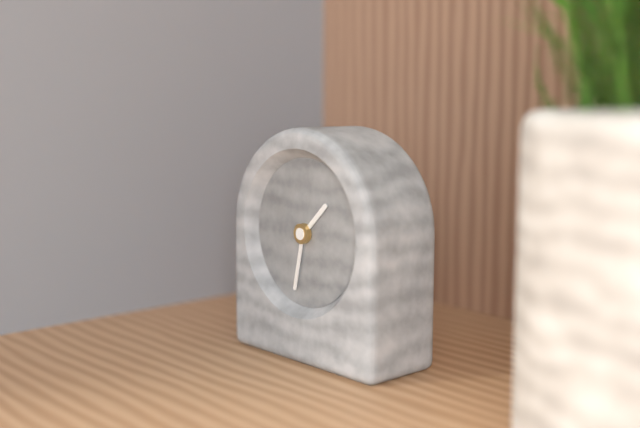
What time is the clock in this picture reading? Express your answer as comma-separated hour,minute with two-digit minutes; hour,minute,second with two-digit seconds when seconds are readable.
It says 1,32
